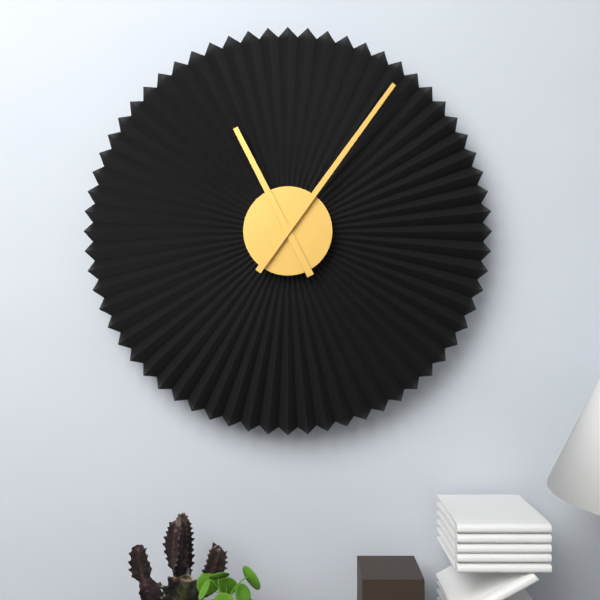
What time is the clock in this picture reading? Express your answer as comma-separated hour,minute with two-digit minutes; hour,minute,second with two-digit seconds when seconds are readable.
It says 11,06
